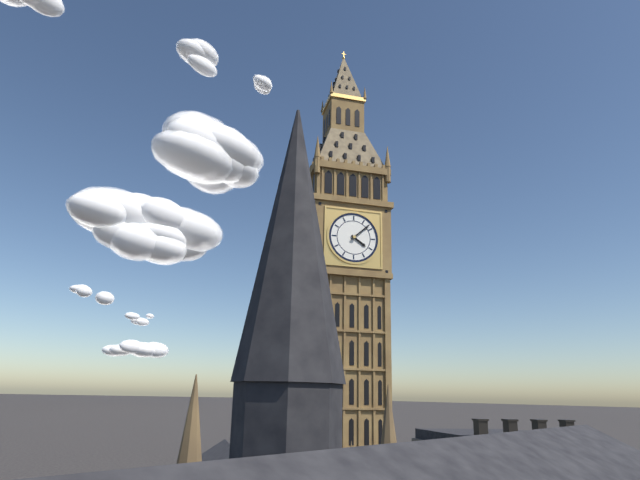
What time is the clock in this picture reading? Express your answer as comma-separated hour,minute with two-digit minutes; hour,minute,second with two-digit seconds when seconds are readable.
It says 4,08
